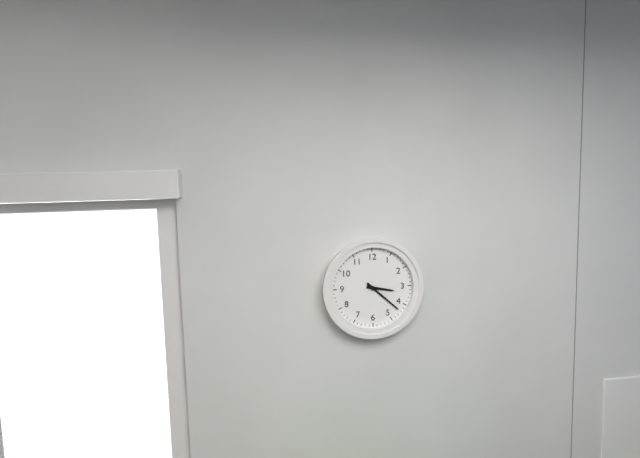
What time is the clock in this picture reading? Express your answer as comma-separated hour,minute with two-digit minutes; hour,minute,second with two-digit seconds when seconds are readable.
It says 3,22
